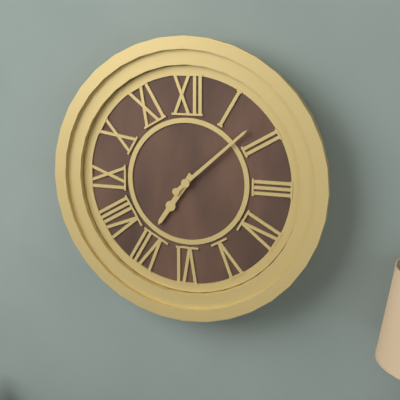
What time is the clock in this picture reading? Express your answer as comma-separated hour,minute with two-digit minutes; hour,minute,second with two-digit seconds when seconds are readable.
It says 7,08
